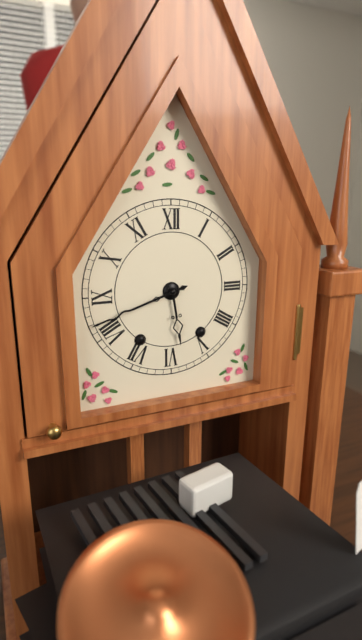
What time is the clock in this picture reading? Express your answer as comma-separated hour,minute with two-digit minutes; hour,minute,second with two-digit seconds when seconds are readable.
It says 5,42
